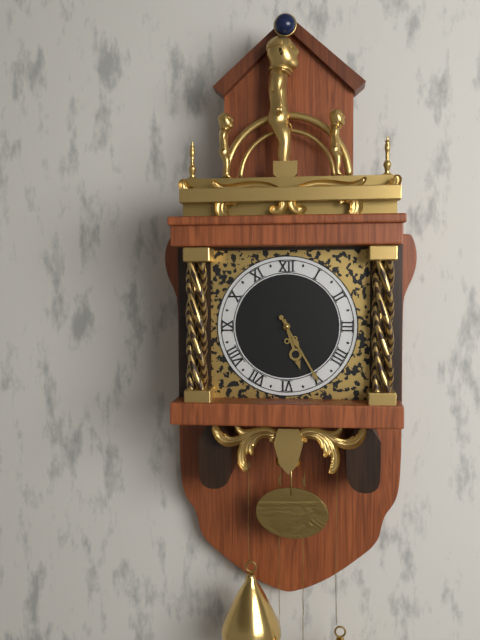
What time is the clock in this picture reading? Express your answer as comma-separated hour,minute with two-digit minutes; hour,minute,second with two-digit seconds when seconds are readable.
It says 5,25
